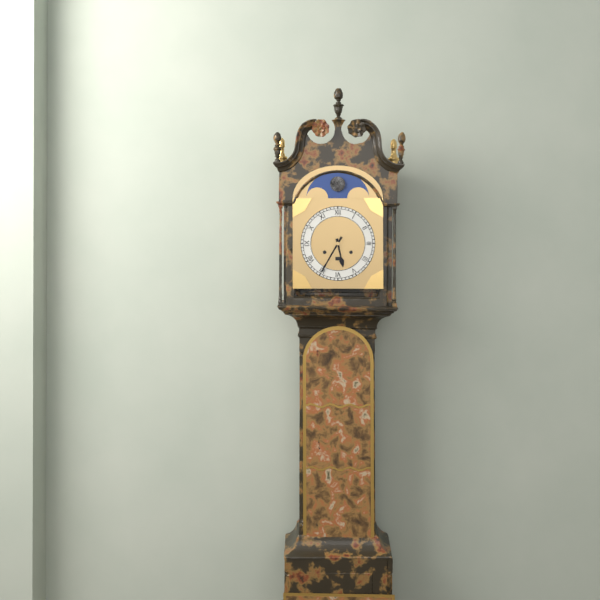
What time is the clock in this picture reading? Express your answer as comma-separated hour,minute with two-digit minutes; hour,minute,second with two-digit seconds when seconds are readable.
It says 5,35
